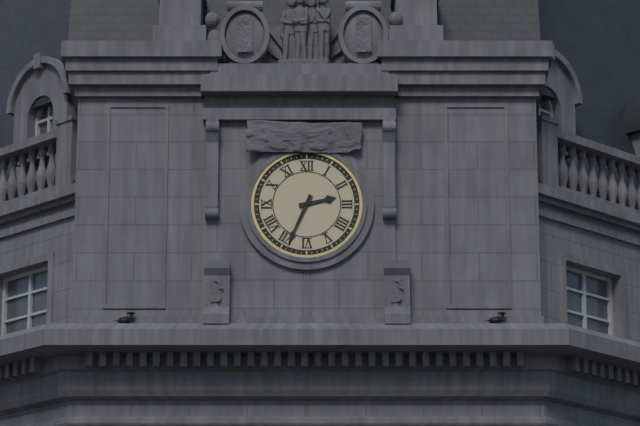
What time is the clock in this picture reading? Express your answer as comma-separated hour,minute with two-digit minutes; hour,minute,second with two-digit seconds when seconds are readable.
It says 2,34
